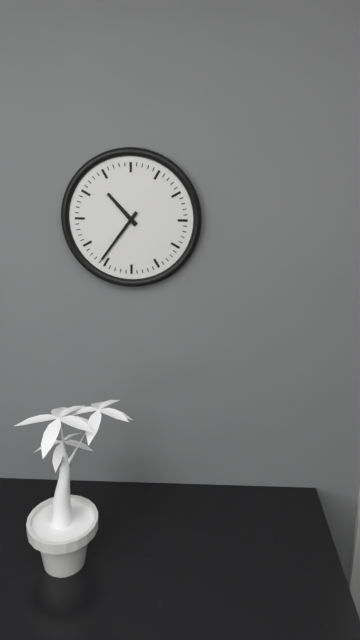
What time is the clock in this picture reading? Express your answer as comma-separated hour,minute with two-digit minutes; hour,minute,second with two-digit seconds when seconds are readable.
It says 10,36
